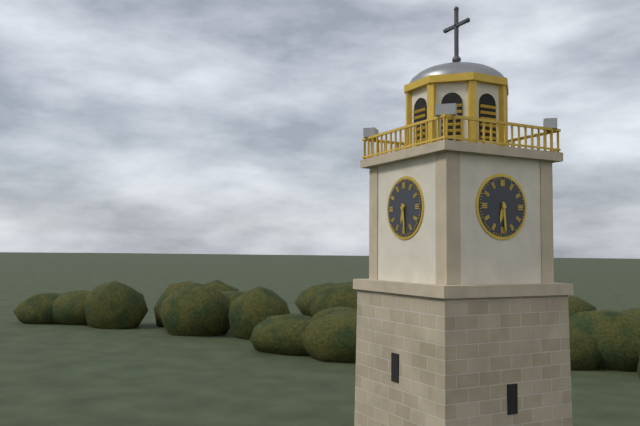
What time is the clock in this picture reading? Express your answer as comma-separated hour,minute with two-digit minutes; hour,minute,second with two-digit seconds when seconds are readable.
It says 6,29
